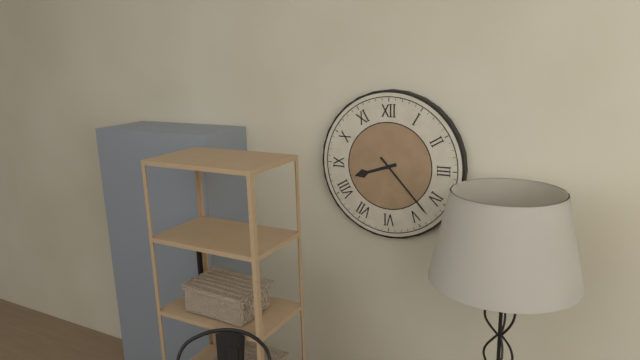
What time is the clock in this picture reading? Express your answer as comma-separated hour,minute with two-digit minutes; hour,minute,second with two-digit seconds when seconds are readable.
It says 8,23
